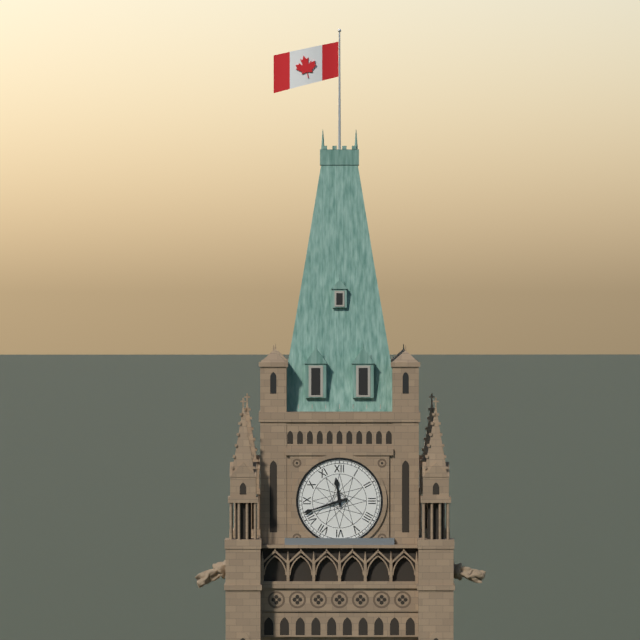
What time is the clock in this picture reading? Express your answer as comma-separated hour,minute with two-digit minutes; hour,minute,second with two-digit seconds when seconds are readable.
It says 11,42
